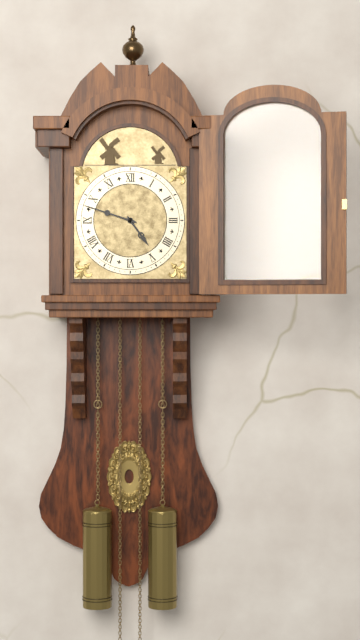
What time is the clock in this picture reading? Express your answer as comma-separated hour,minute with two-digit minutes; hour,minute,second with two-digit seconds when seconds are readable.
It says 4,48
